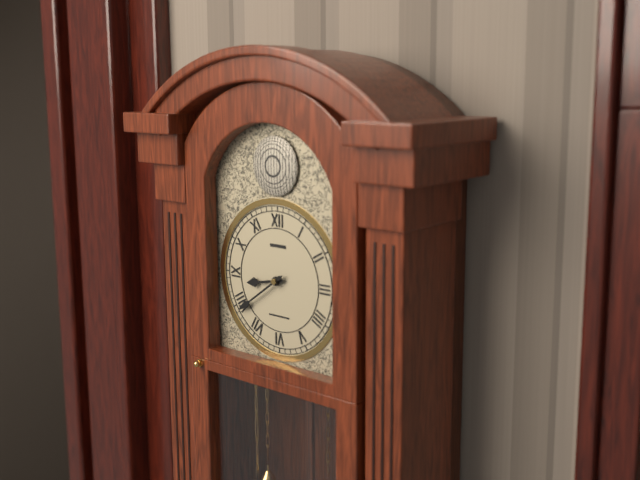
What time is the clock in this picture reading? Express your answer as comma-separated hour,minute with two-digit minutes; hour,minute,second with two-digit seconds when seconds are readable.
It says 8,39
